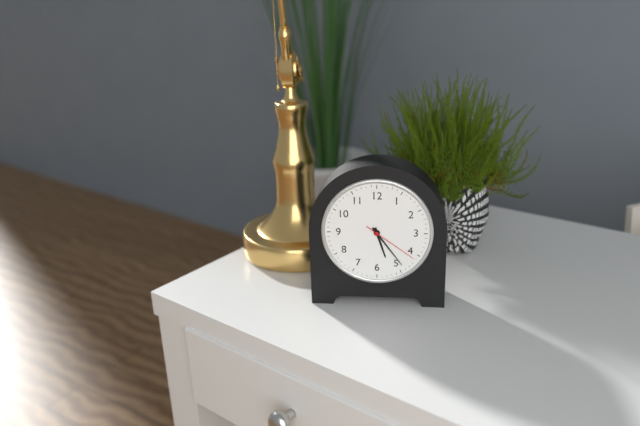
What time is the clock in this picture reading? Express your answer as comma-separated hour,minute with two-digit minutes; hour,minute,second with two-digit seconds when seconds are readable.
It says 5,24,21
